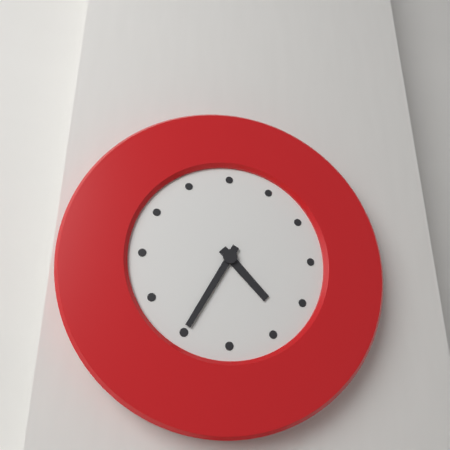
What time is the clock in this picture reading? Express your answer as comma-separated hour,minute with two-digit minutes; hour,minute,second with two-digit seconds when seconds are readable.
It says 4,35
